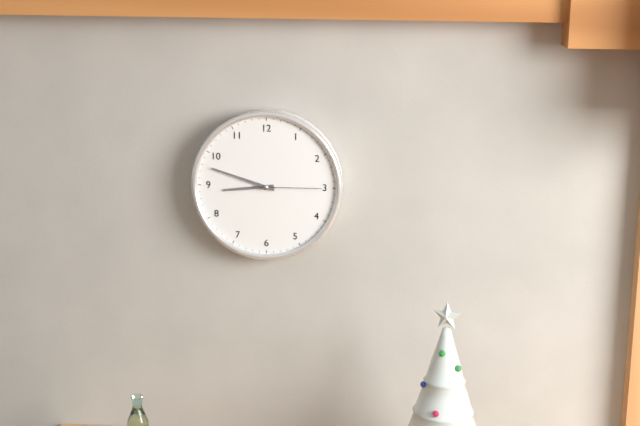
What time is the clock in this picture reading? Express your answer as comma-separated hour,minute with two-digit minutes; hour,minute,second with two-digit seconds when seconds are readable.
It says 8,48,15
